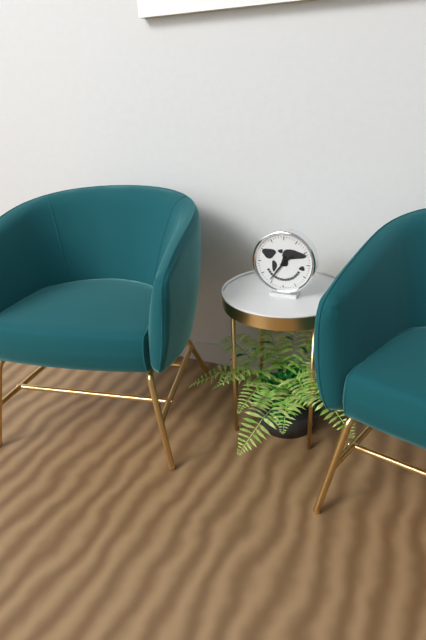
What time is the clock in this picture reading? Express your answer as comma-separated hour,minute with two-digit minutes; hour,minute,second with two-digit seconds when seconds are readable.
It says 1,36
